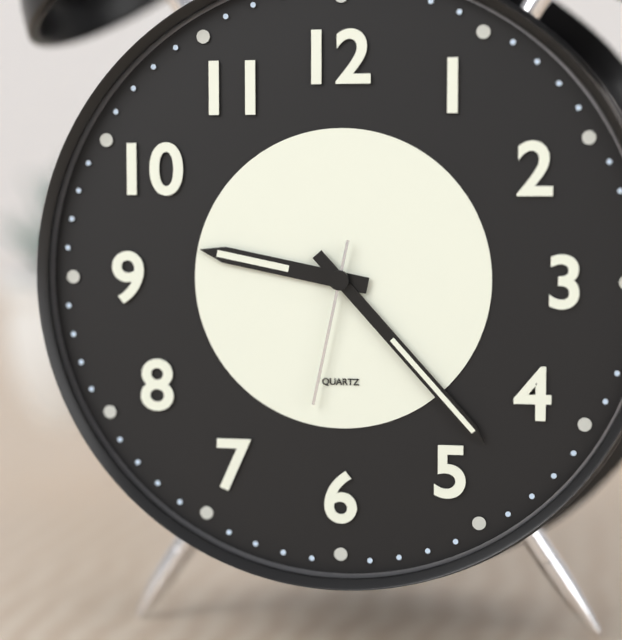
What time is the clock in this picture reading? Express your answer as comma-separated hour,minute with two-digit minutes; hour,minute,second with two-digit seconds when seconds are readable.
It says 9,23,32
